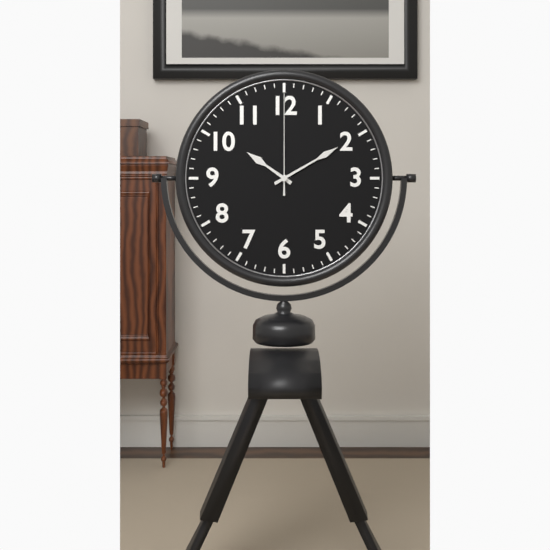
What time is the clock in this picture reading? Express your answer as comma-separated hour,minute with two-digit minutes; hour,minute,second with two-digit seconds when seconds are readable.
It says 10,10,00
